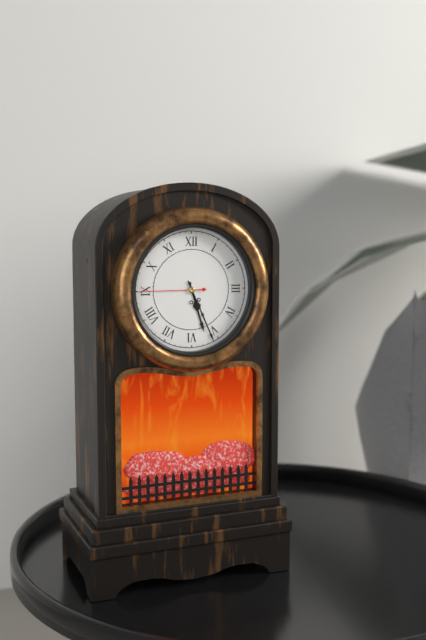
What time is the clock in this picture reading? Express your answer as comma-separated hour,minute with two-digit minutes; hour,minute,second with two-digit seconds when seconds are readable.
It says 5,26,45
